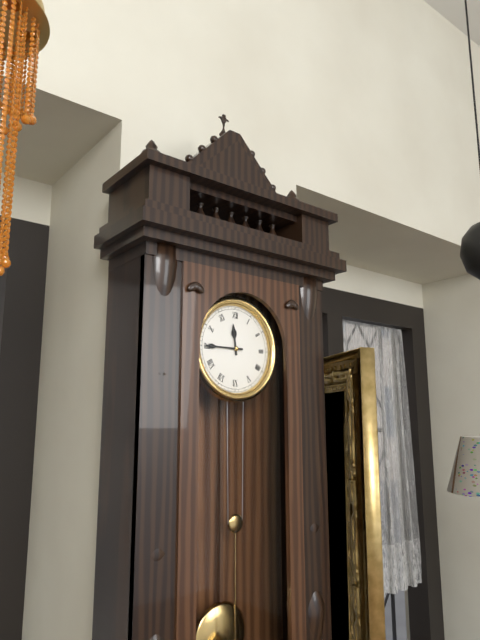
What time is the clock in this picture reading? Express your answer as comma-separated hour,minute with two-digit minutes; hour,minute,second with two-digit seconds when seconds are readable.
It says 11,45
